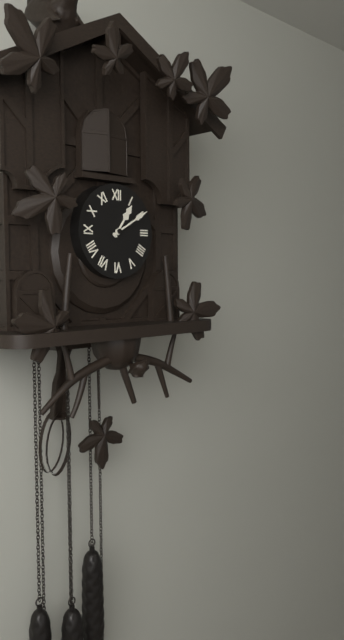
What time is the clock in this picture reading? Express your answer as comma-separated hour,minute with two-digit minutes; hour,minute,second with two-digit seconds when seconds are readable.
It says 1,10
